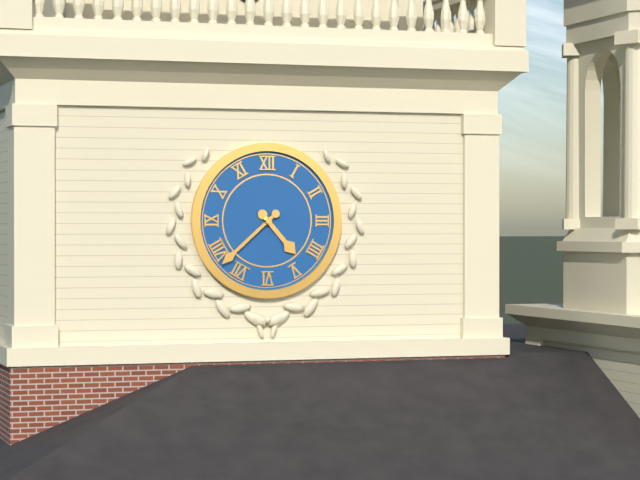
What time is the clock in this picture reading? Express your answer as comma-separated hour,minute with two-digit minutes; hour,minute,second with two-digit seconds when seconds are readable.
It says 4,38
